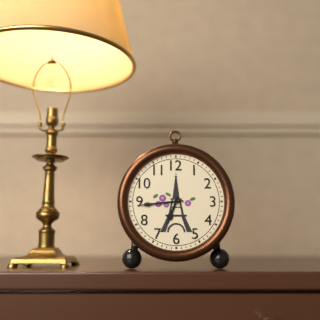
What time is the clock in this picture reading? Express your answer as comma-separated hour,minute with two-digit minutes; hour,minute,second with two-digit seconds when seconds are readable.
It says 6,44
